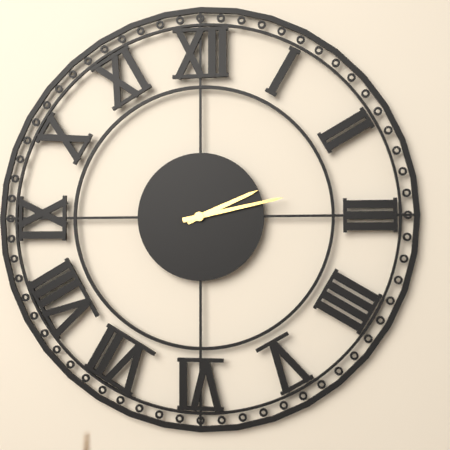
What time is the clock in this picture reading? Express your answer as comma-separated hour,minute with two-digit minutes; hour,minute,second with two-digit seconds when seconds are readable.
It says 2,13
